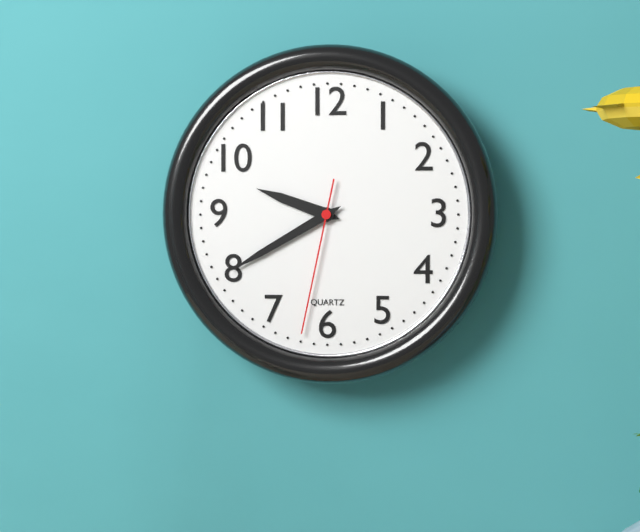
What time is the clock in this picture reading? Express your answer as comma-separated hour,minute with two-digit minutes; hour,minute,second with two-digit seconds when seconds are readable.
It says 9,40,32
